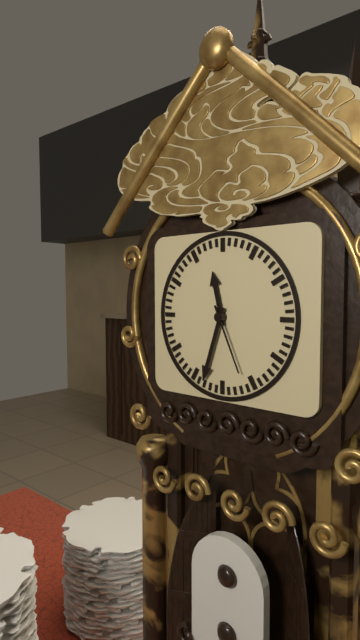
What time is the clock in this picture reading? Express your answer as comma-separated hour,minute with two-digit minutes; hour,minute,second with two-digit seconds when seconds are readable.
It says 11,33,26
